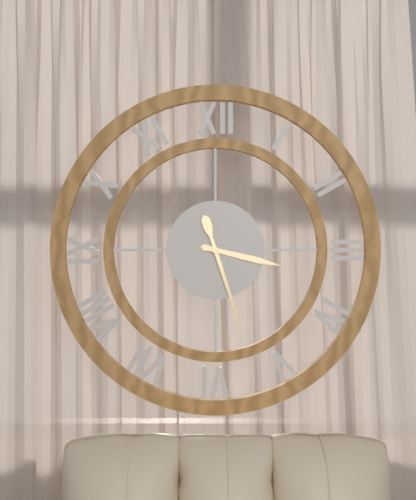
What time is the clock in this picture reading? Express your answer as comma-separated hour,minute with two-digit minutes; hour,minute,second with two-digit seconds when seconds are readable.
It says 3,27
